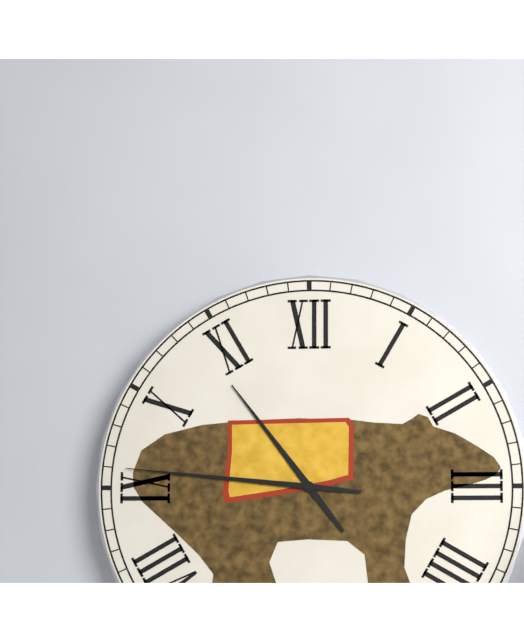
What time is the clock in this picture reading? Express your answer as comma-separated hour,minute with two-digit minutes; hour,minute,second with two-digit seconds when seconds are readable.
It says 10,46
